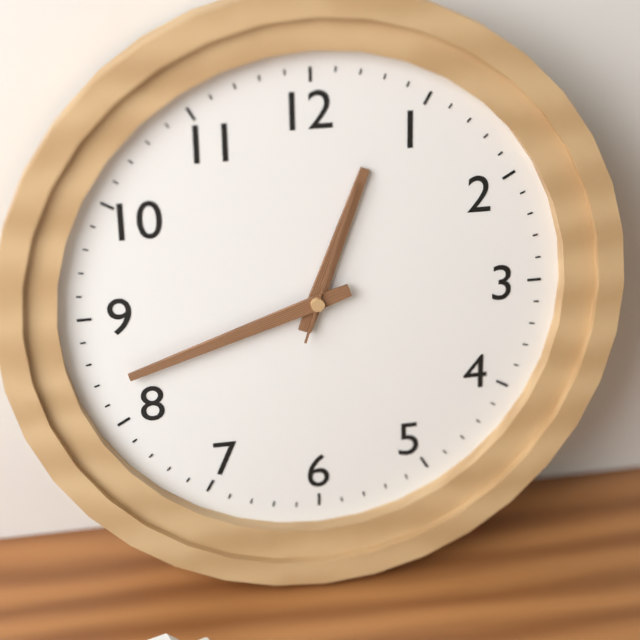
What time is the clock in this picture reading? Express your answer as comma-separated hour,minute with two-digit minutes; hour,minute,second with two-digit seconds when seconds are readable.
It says 12,42,03
